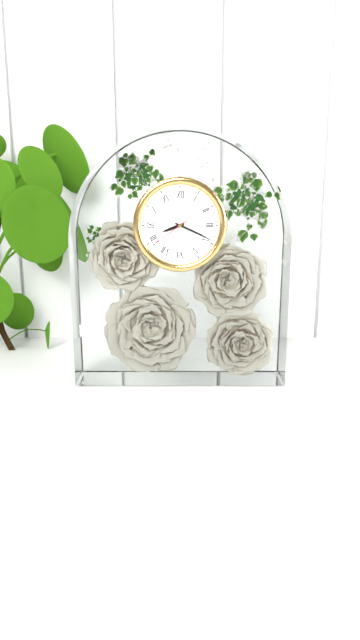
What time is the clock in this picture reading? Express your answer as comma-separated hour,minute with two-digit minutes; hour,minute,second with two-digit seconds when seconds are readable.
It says 8,19
